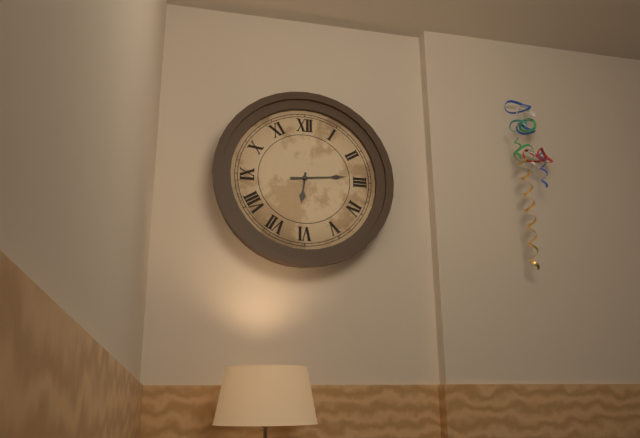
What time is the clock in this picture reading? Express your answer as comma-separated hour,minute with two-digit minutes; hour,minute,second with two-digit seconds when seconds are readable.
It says 6,14
